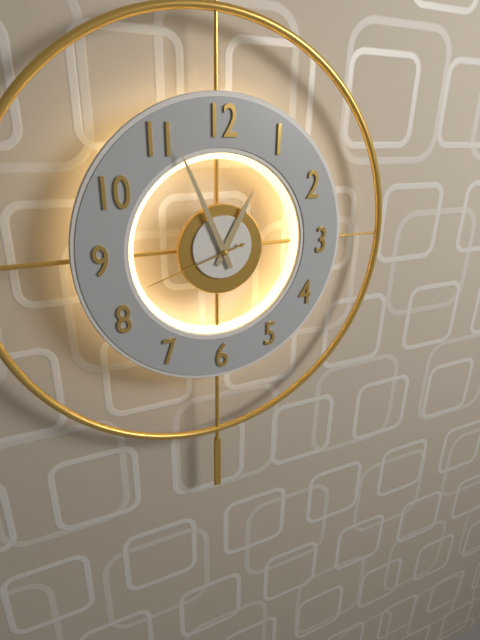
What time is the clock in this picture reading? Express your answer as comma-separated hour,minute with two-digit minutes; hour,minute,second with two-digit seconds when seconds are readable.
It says 12,56,42
